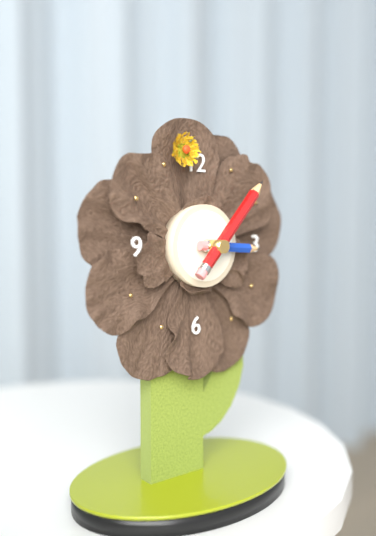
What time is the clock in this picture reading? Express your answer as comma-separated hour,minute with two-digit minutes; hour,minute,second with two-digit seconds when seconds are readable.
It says 3,07
